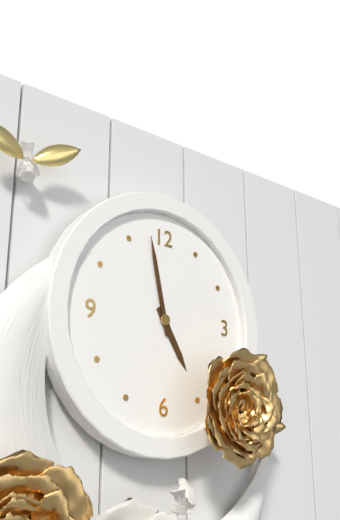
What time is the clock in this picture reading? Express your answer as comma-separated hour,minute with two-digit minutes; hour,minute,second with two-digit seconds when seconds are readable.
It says 4,58
